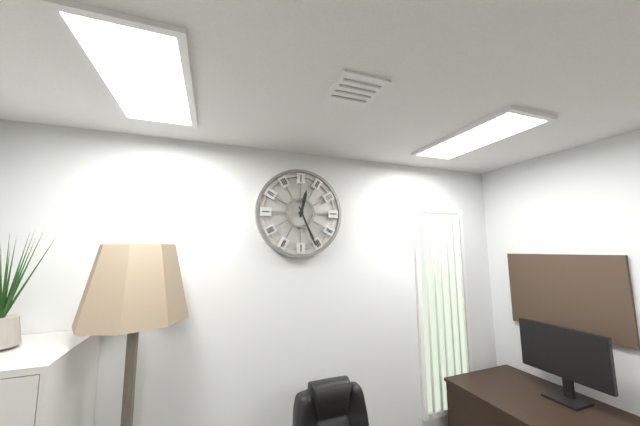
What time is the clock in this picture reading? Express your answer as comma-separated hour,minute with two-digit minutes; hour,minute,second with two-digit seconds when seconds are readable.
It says 12,26
